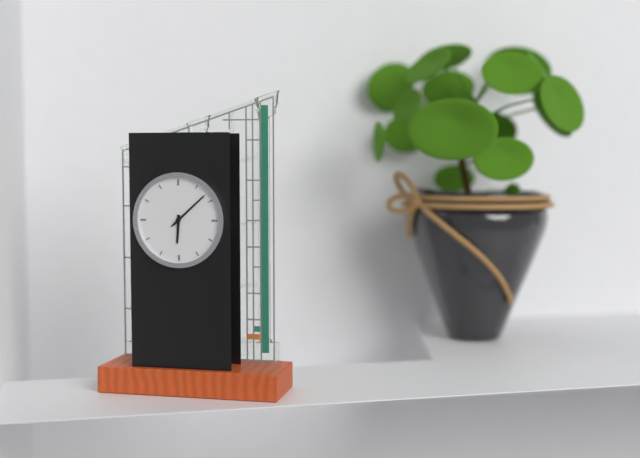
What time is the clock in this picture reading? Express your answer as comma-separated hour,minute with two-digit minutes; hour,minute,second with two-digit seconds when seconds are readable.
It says 6,08
